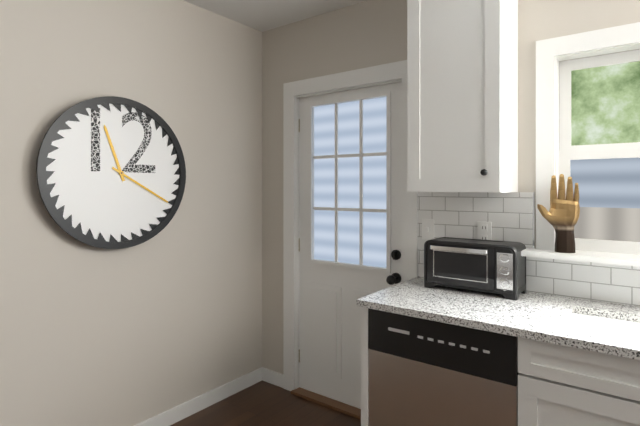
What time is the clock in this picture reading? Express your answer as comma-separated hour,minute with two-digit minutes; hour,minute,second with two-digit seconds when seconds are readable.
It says 11,20
